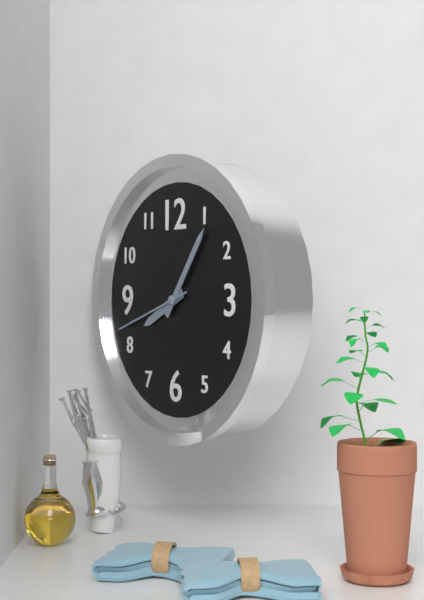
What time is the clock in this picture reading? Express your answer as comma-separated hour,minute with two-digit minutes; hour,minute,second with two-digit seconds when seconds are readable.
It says 8,06,42
